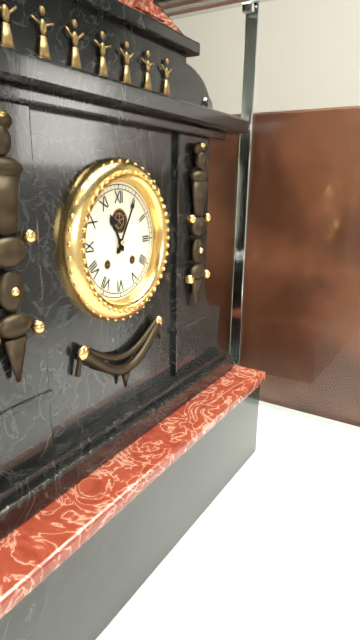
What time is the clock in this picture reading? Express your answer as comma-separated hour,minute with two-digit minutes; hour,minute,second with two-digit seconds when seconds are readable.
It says 11,05
